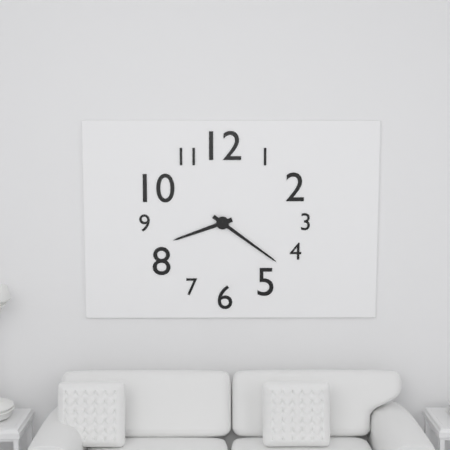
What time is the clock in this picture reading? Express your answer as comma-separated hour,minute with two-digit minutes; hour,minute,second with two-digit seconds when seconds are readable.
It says 8,21
